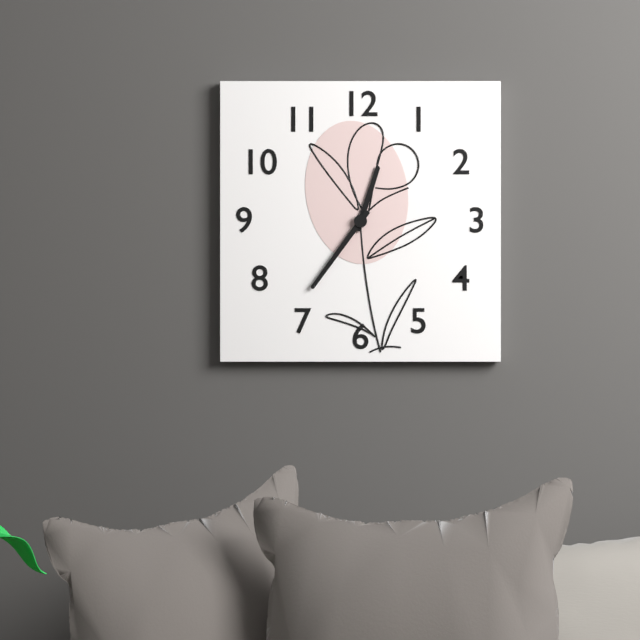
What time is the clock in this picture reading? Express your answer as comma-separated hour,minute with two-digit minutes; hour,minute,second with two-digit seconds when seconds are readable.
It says 12,36
